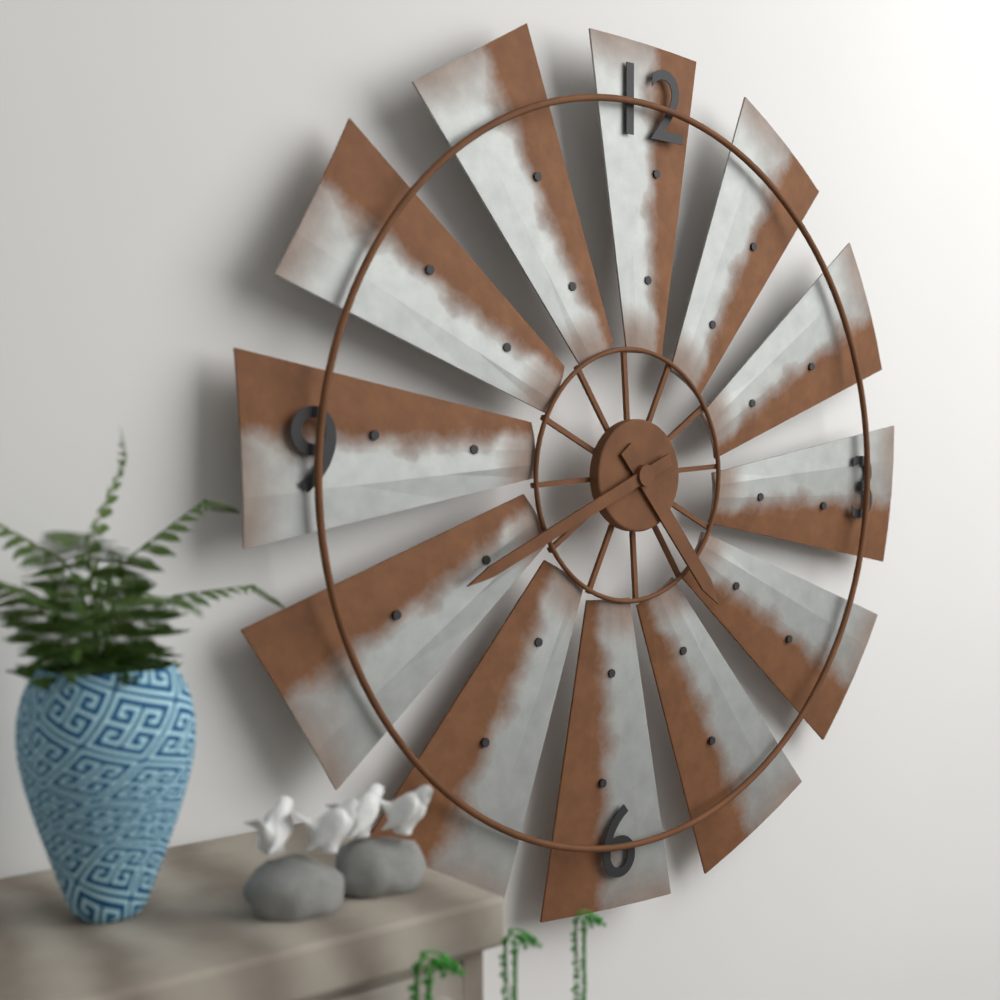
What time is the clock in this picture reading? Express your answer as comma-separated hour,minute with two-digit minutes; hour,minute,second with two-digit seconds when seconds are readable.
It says 4,41
